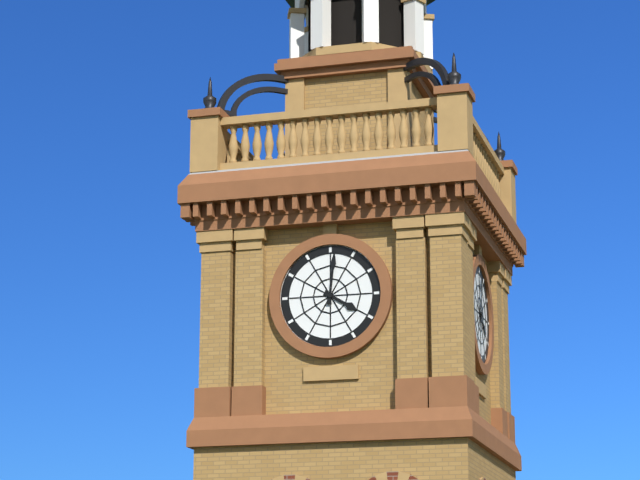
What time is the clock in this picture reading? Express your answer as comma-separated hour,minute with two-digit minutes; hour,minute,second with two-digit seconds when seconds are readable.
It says 4,01
